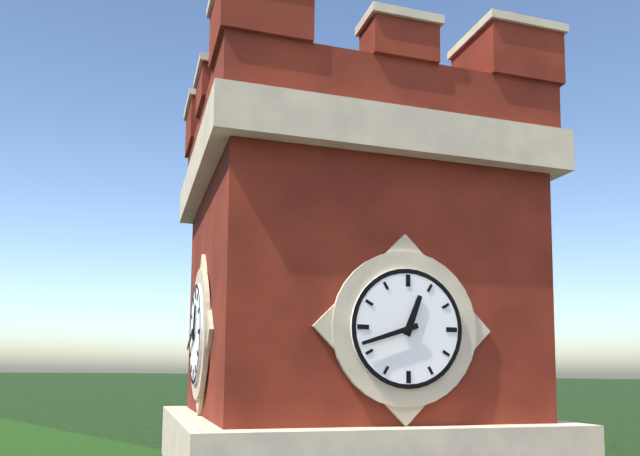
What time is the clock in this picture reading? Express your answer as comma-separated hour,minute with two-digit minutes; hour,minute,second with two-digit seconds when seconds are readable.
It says 12,42
